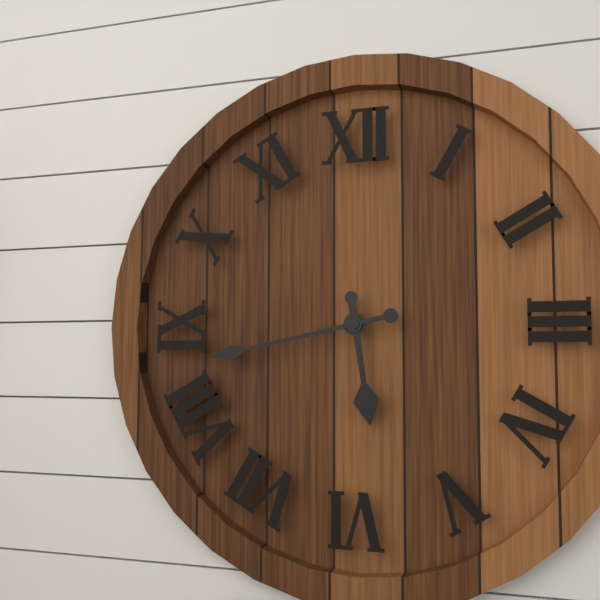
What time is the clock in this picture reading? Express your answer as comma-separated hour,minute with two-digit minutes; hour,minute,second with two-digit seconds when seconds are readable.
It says 5,43
